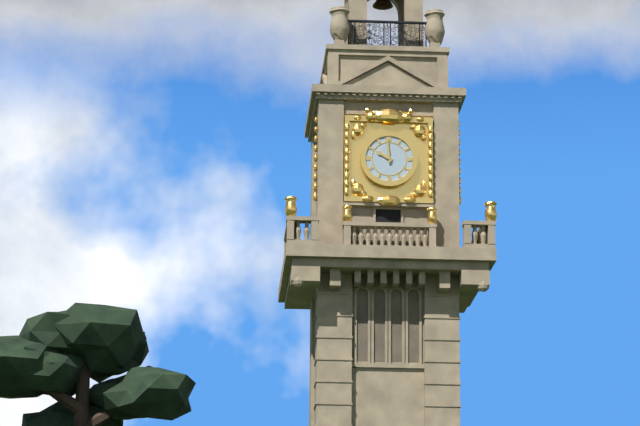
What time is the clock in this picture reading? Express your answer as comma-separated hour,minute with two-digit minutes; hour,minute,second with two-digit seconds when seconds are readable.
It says 9,59
